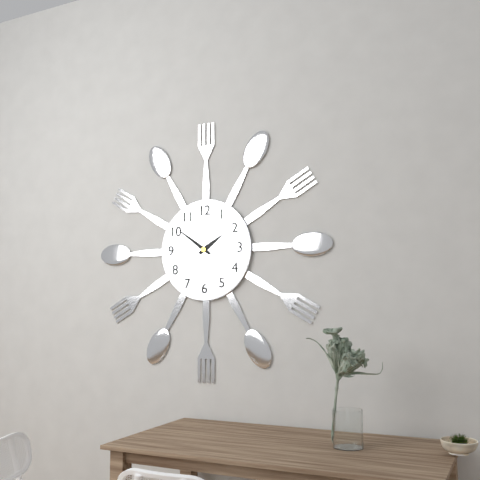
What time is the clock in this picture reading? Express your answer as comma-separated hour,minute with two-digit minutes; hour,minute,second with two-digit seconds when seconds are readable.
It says 1,51
